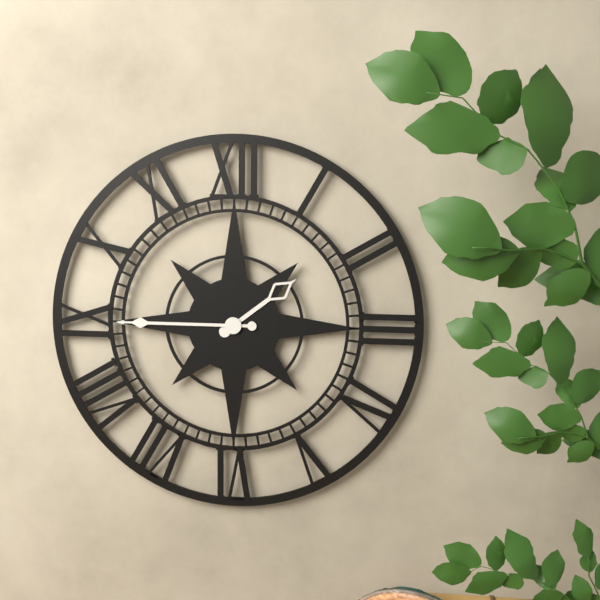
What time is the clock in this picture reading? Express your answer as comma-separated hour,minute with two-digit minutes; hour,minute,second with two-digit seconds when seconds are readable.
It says 1,45
